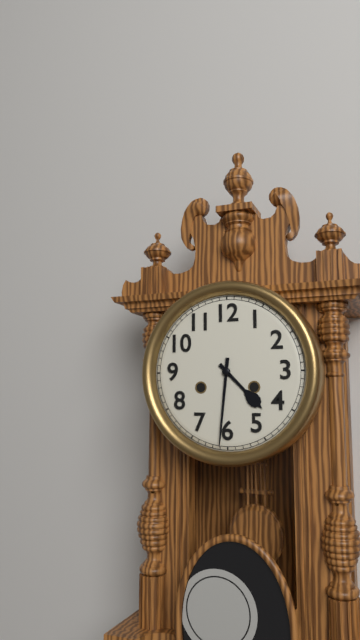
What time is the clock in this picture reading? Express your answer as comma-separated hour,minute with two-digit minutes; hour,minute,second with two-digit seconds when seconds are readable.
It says 4,31
